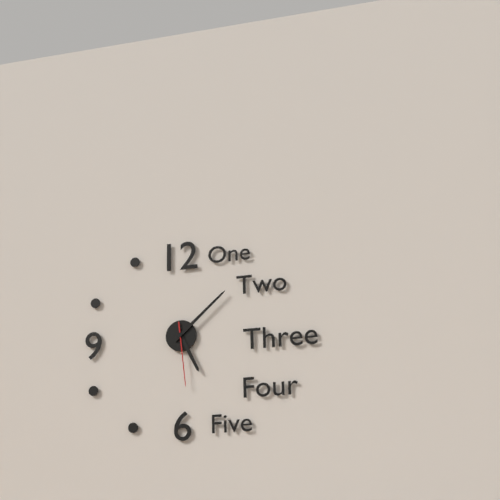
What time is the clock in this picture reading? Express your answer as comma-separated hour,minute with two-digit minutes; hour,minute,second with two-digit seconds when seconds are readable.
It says 5,08,29
